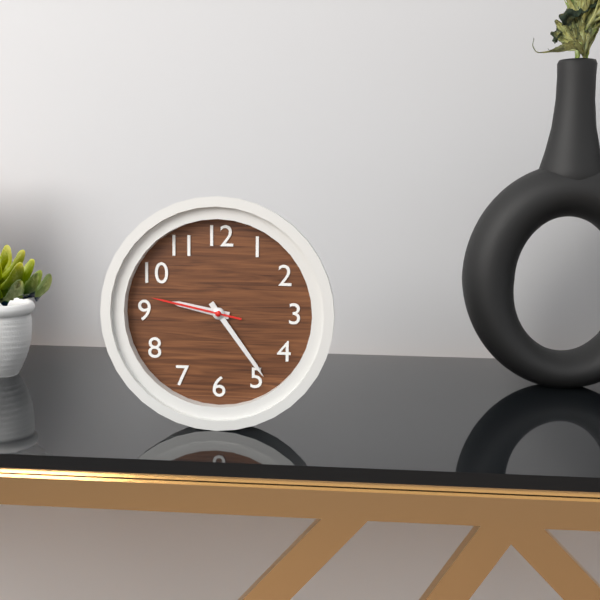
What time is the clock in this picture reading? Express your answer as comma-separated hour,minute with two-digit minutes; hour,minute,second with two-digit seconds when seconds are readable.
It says 9,24,47
